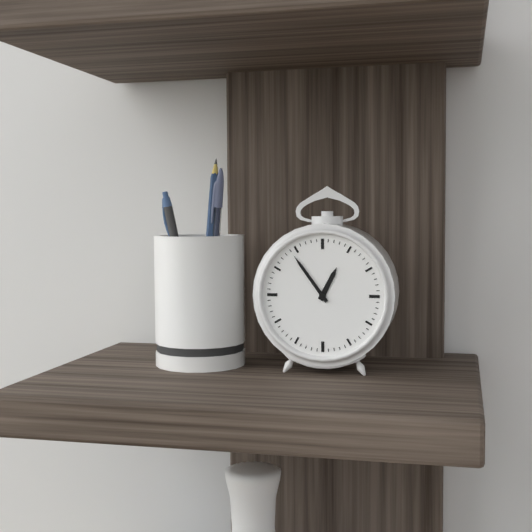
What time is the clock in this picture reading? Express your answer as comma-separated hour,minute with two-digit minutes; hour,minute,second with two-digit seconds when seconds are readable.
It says 12,54
